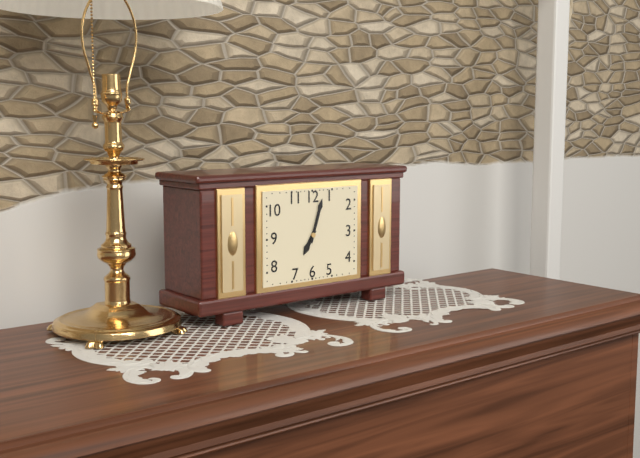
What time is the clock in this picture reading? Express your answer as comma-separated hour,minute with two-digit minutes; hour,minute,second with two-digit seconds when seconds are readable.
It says 7,03
